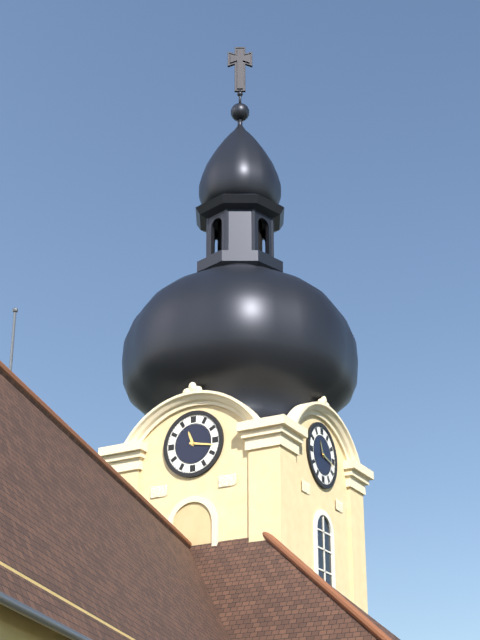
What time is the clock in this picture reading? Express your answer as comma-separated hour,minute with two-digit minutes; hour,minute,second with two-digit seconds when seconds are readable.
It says 11,17
